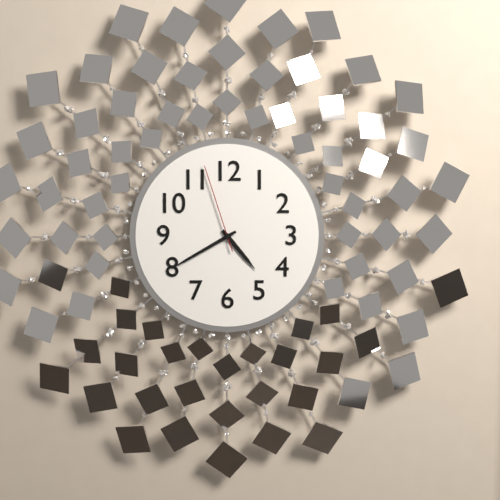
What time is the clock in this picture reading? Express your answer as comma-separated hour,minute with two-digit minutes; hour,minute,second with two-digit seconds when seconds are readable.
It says 4,40,57
